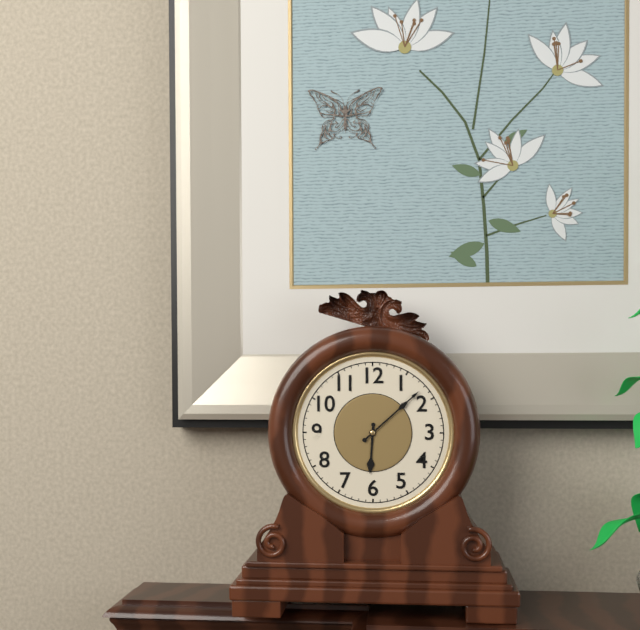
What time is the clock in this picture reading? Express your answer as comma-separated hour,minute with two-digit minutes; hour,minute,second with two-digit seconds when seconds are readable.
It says 6,08
